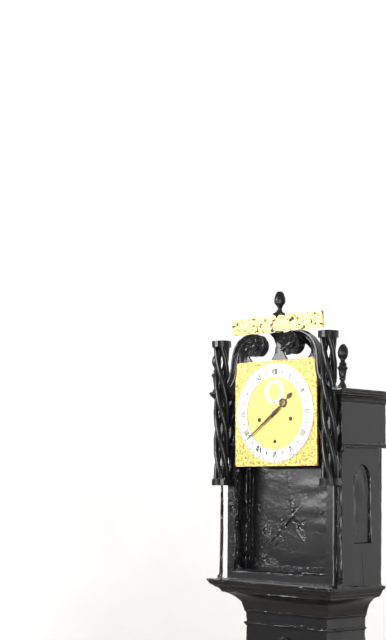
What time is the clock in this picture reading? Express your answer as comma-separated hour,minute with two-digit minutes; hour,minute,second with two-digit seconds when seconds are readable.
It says 1,39
